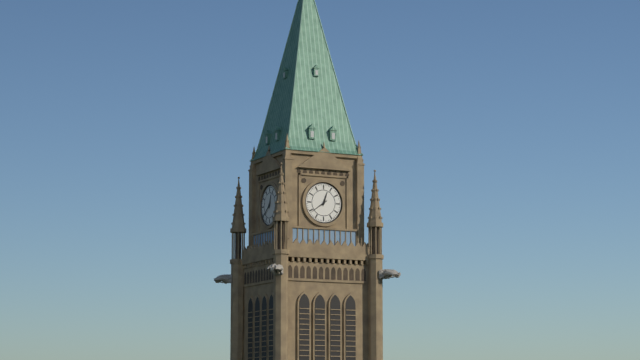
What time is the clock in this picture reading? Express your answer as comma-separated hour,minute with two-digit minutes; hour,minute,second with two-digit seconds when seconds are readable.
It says 12,39
